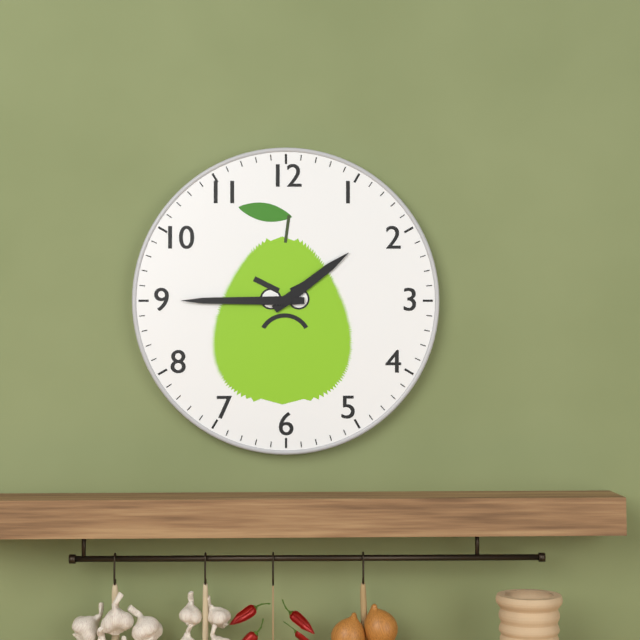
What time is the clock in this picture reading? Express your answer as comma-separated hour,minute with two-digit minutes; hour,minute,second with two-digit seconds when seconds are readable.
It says 1,45
